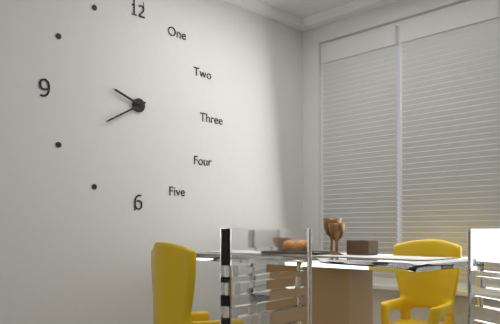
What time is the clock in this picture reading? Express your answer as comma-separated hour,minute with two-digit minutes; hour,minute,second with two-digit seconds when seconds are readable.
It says 9,40
